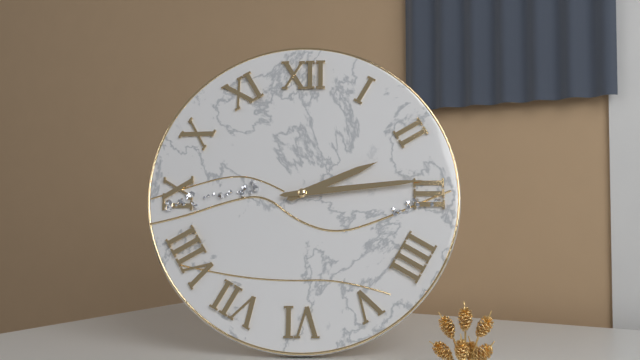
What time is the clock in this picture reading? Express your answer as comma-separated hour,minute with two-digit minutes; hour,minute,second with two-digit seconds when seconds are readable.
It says 2,14
